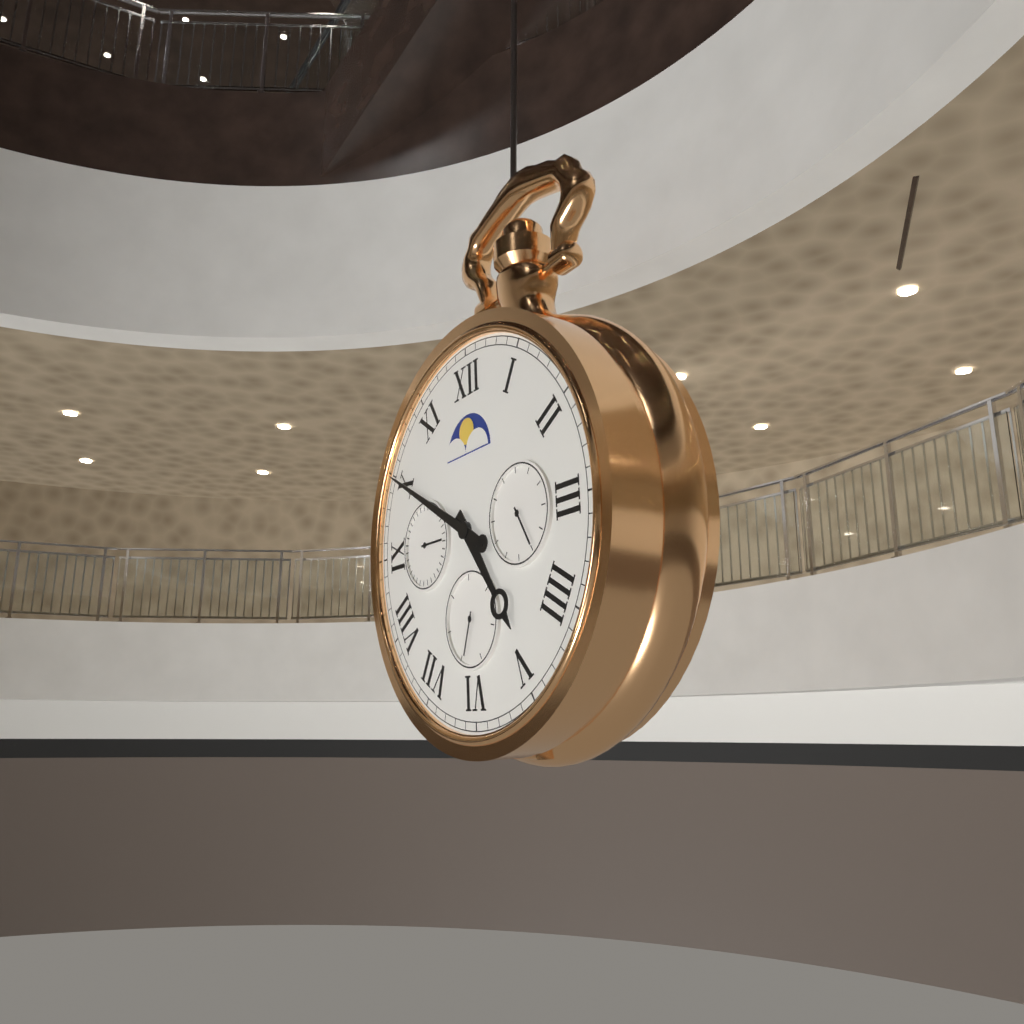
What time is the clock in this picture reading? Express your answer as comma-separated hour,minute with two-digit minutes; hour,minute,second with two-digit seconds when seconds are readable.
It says 4,50
